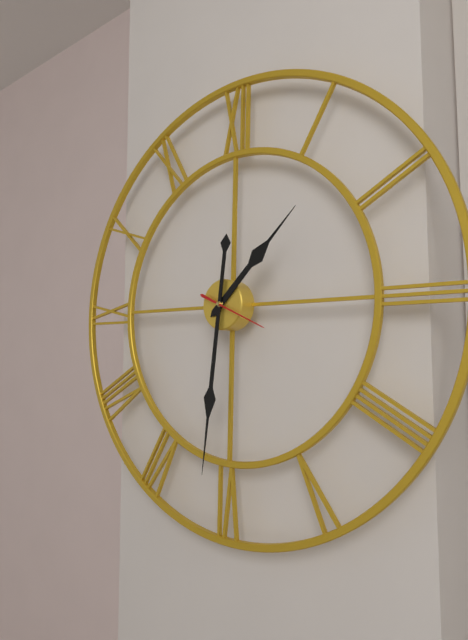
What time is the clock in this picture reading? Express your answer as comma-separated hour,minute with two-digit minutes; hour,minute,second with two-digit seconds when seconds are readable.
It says 1,31
